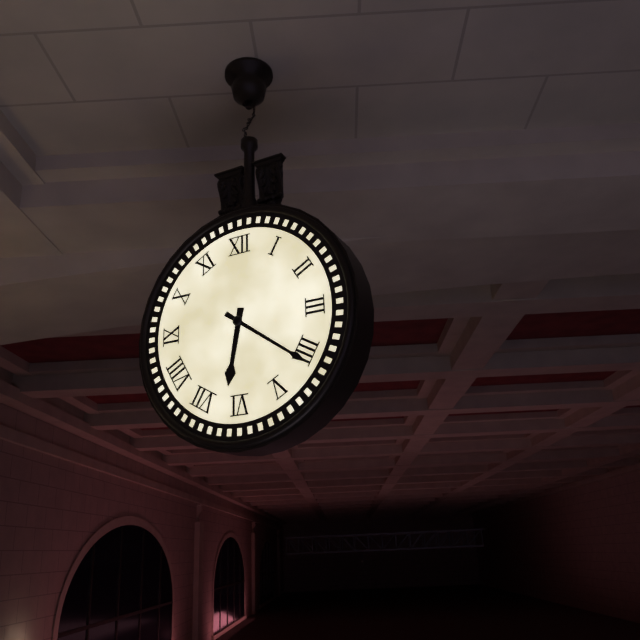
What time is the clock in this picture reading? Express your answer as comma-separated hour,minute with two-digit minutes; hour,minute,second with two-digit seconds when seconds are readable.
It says 6,21
